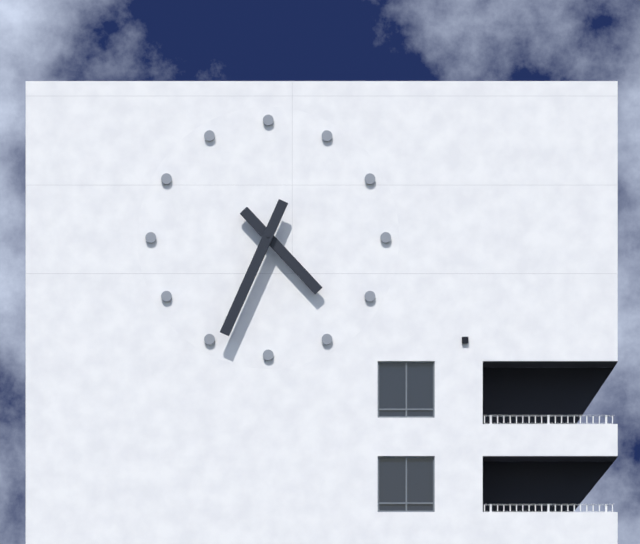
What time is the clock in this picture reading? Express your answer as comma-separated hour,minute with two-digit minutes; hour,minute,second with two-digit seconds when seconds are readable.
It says 4,34
